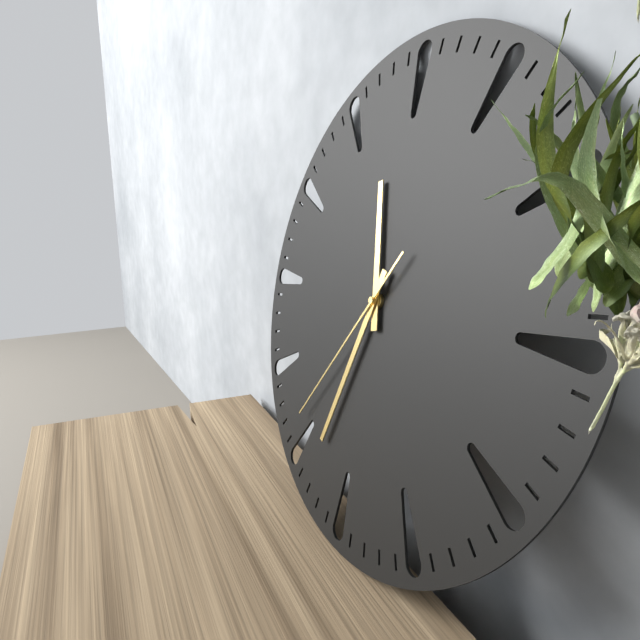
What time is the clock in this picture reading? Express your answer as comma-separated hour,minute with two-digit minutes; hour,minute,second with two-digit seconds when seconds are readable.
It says 11,33,36
